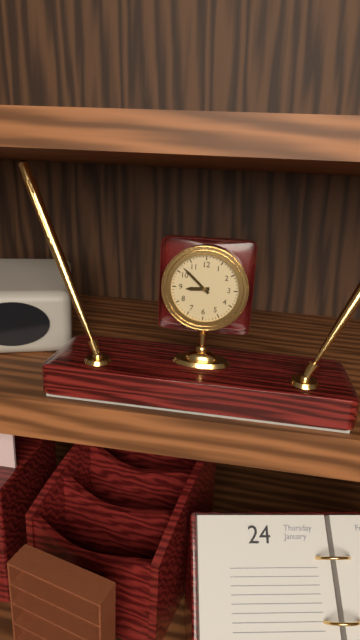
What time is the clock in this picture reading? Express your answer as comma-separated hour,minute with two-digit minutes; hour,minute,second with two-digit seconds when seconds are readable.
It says 8,52
